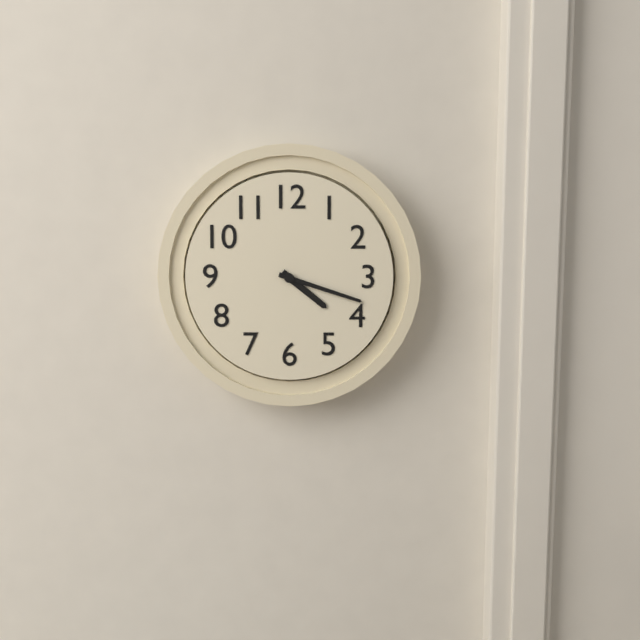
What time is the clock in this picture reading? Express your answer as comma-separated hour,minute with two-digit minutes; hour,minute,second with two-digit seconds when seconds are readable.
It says 4,18
